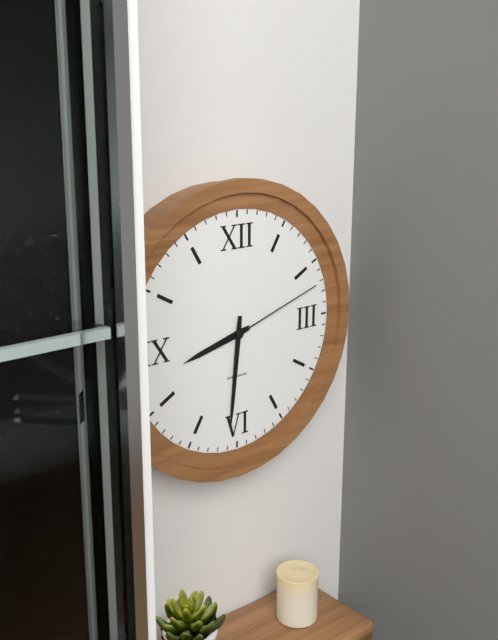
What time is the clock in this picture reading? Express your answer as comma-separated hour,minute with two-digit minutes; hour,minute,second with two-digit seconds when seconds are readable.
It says 8,31,12
